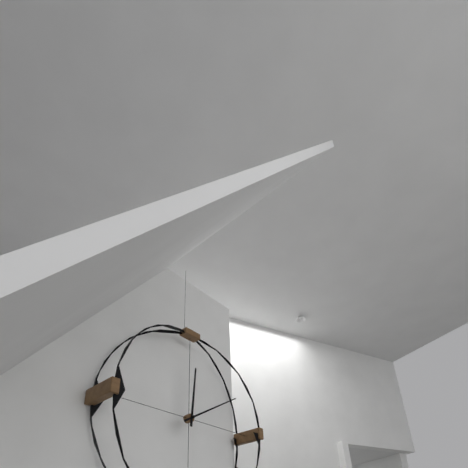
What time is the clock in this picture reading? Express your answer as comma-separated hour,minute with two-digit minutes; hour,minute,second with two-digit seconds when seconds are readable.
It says 12,10
